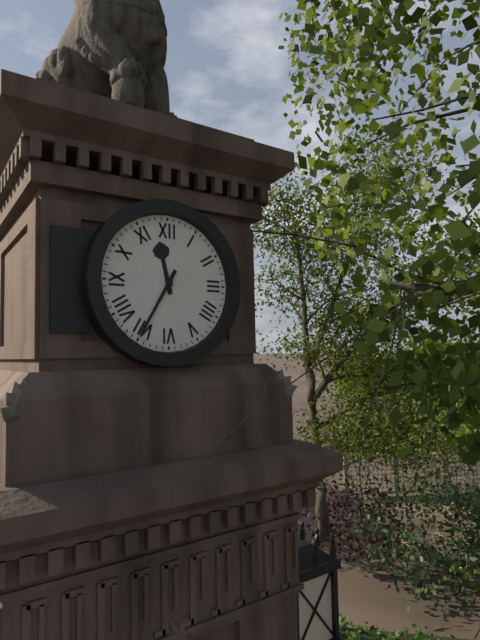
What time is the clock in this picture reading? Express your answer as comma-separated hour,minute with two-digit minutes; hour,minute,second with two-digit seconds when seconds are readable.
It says 11,35
